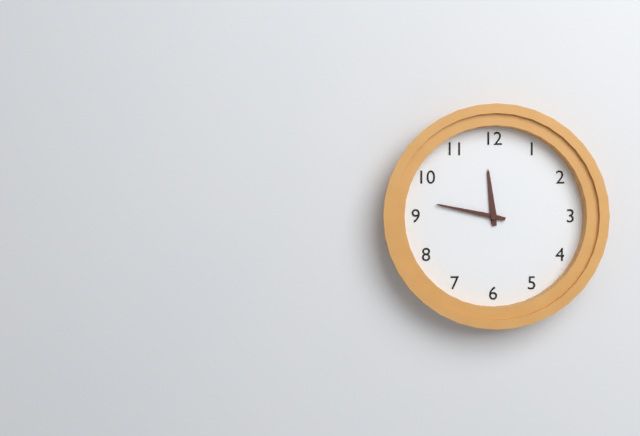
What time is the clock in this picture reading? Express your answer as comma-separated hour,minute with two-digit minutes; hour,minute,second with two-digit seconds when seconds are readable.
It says 11,47
